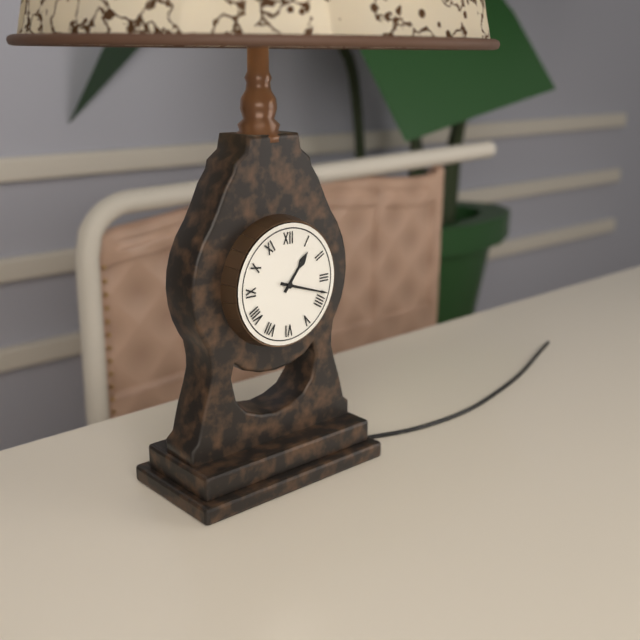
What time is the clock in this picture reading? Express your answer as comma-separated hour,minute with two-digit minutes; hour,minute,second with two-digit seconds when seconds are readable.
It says 1,18
